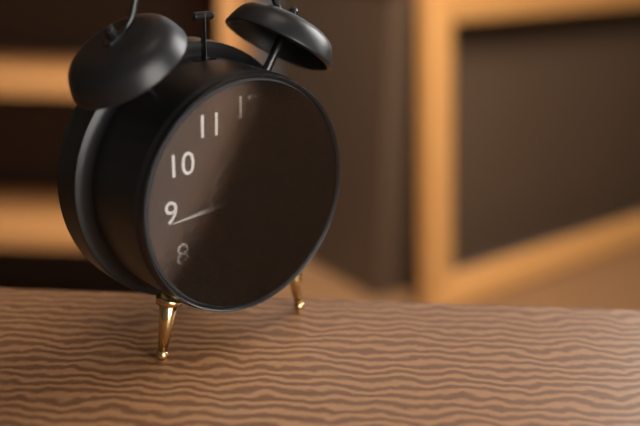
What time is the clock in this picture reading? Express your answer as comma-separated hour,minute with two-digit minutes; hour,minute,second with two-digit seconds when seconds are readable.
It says 6,44
